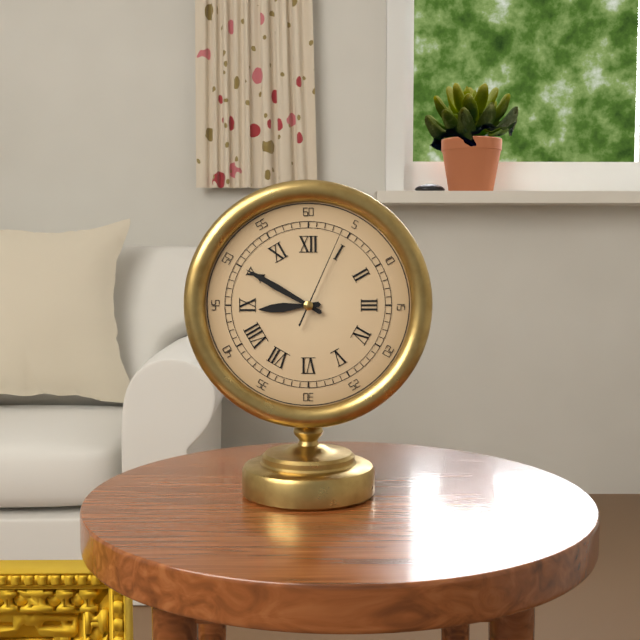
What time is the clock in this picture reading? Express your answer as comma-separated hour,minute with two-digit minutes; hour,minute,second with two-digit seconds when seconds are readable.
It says 8,50,04
